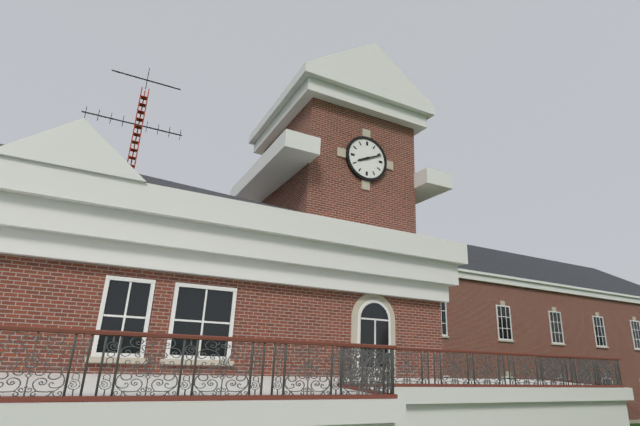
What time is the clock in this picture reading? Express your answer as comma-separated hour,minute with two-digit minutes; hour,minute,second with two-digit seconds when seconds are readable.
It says 8,11
